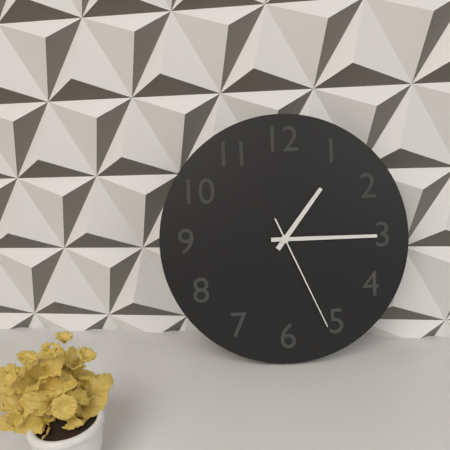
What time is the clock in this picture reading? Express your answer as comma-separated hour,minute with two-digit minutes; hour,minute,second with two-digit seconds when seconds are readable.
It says 1,15,26
